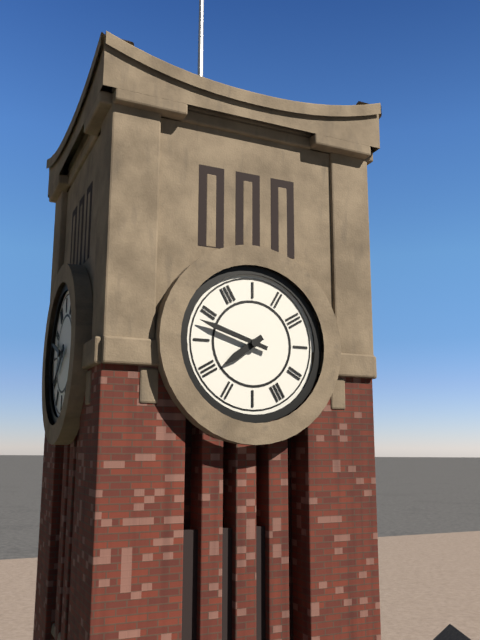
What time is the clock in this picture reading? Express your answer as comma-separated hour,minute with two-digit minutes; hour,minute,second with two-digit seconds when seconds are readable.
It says 7,48
